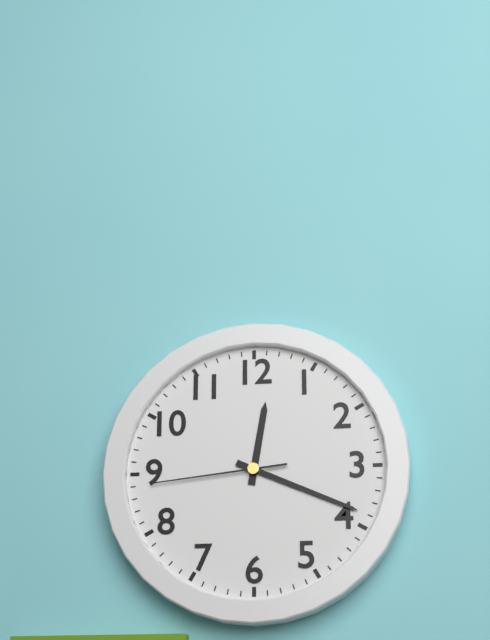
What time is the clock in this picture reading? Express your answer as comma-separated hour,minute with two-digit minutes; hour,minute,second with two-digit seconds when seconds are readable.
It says 12,19,44
